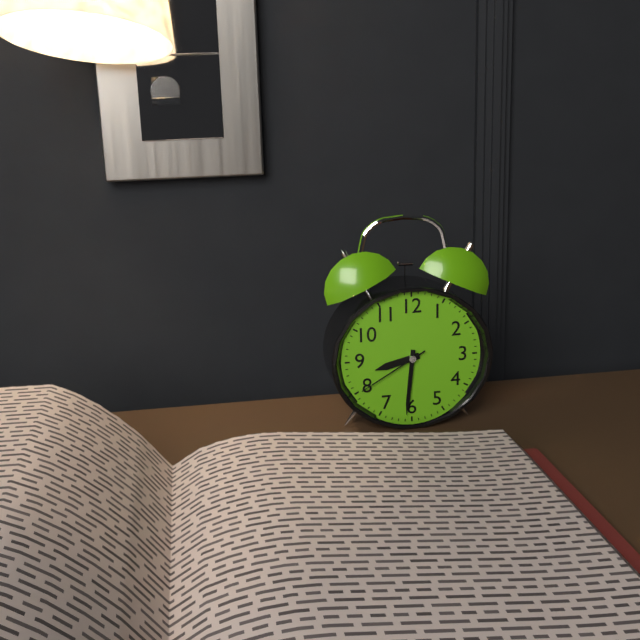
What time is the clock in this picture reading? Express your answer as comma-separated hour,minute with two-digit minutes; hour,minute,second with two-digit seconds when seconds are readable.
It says 8,31,40
